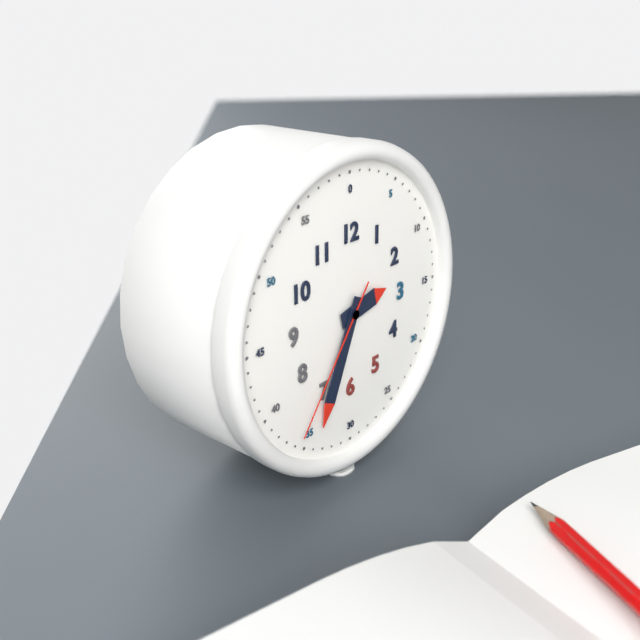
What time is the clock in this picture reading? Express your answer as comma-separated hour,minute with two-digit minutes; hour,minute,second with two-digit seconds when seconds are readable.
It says 2,34,36
